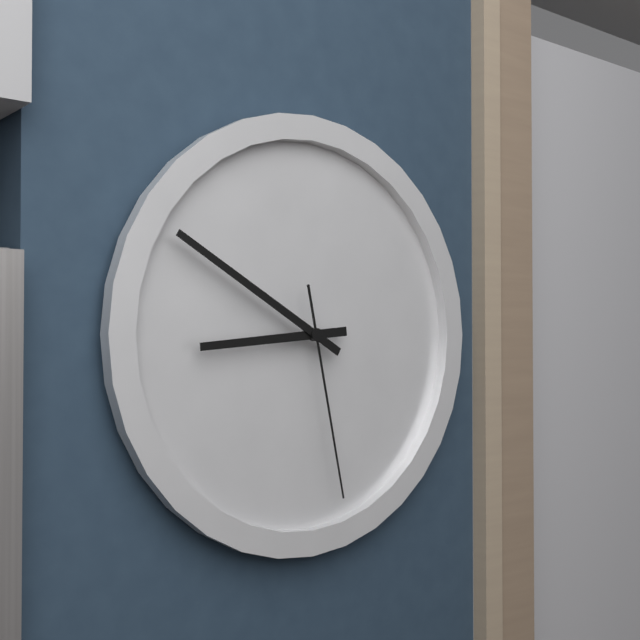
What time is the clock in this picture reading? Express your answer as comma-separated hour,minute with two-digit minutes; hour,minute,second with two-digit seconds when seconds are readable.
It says 8,50,28
